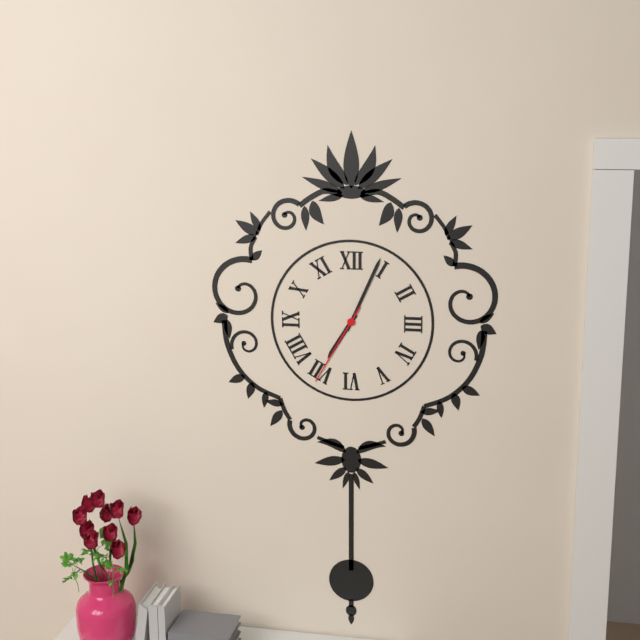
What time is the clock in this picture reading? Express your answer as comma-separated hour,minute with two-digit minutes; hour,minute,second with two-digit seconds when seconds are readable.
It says 7,04,35
